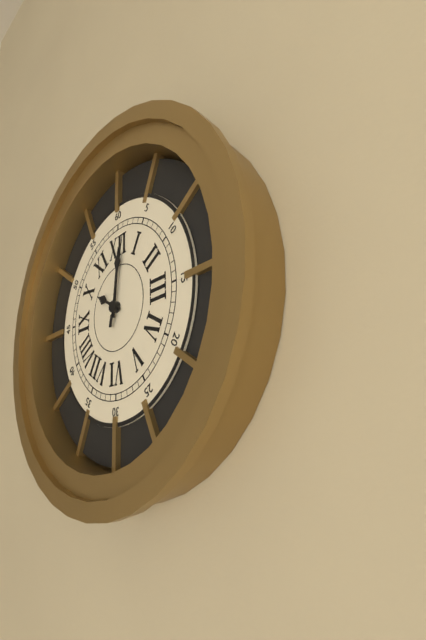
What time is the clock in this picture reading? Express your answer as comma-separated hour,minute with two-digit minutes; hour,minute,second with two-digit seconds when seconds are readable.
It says 10,01,02
